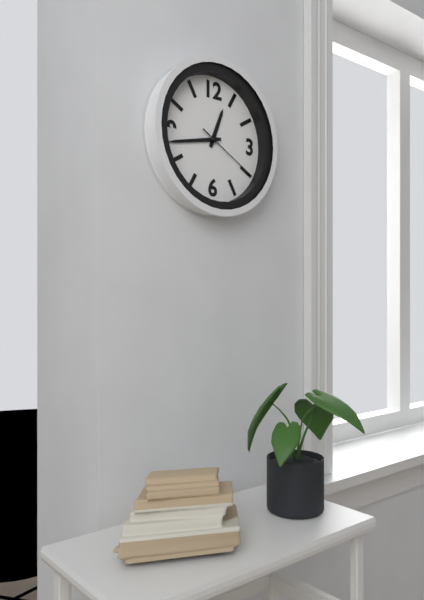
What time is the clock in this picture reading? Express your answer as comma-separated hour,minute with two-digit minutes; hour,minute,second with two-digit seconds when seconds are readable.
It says 12,43,20
